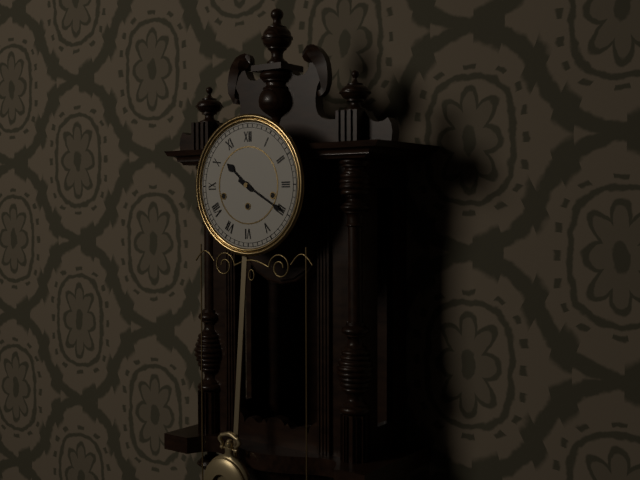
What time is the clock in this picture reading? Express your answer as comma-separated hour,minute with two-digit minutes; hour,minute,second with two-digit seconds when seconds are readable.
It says 10,20
